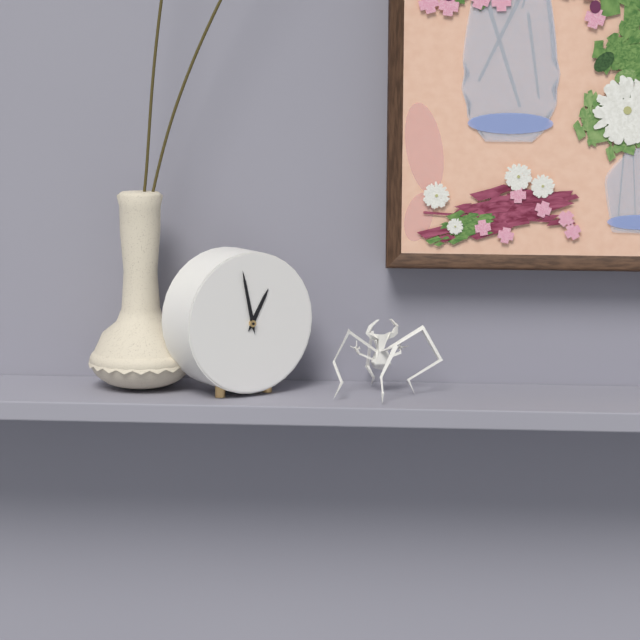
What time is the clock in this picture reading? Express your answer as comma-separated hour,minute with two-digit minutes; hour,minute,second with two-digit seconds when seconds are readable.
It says 12,58
